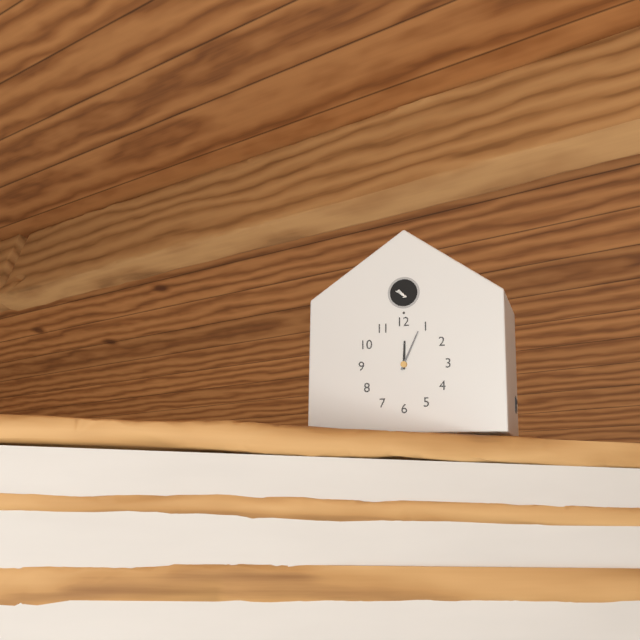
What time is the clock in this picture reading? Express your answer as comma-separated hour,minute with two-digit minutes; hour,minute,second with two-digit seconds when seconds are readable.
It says 12,04
